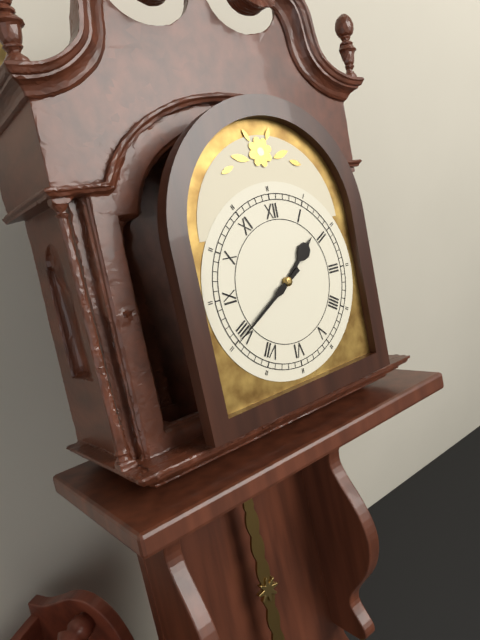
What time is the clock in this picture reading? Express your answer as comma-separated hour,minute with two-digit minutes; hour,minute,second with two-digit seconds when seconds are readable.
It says 1,40
